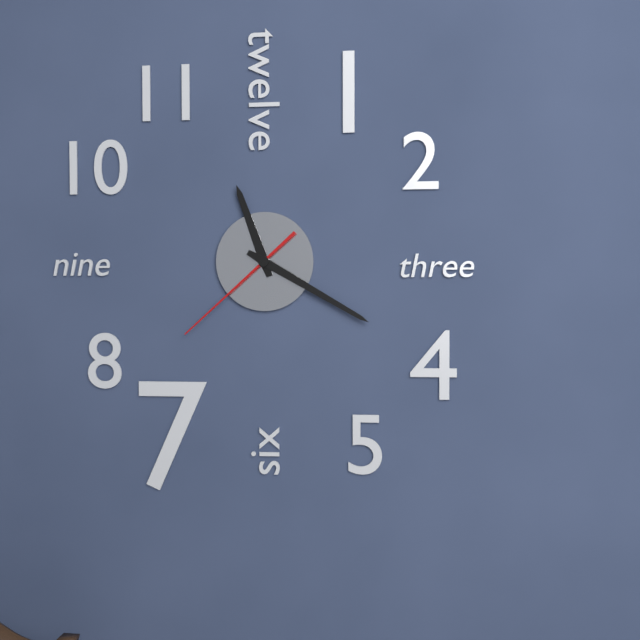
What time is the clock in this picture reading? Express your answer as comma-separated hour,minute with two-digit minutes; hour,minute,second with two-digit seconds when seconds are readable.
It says 11,20,38
